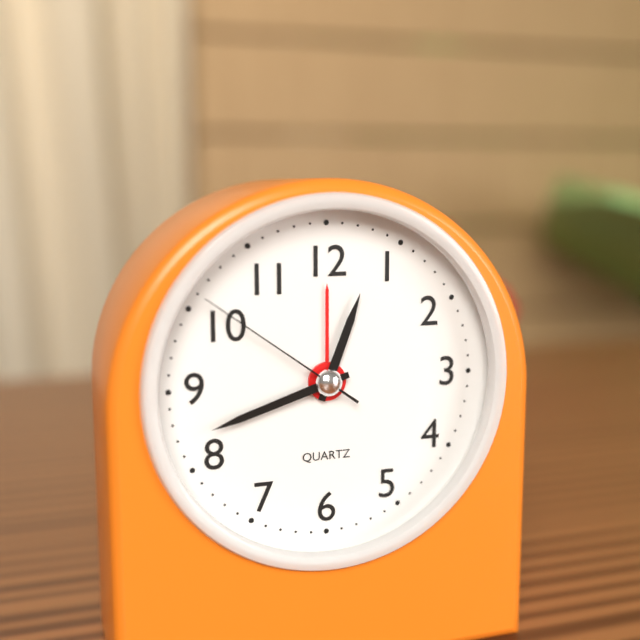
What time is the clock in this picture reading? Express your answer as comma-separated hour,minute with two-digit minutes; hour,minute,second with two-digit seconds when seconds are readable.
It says 12,42,51
